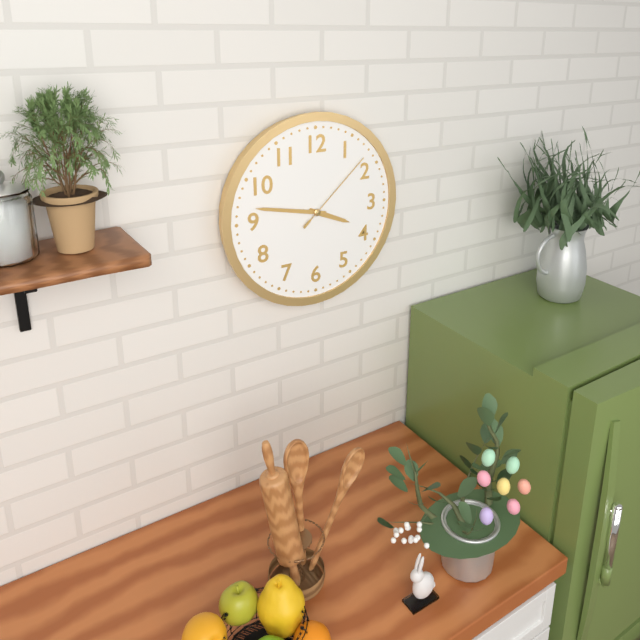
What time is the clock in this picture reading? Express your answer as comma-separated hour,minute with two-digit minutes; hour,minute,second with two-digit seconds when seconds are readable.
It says 3,47,08
